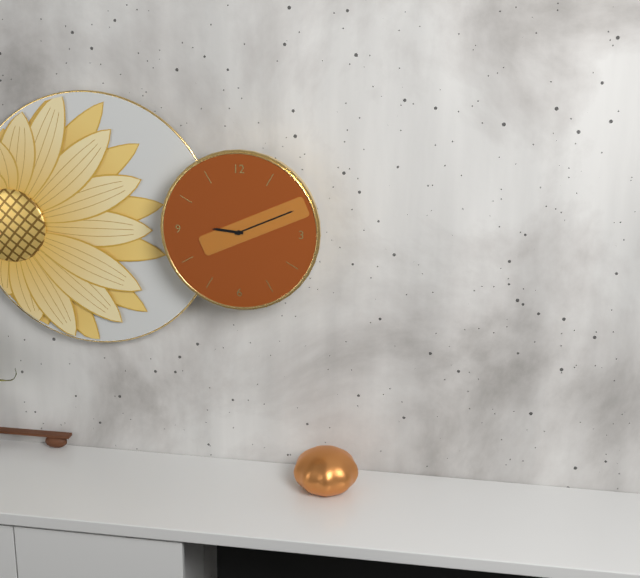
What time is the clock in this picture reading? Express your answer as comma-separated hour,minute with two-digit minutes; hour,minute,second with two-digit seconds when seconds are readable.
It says 9,11
